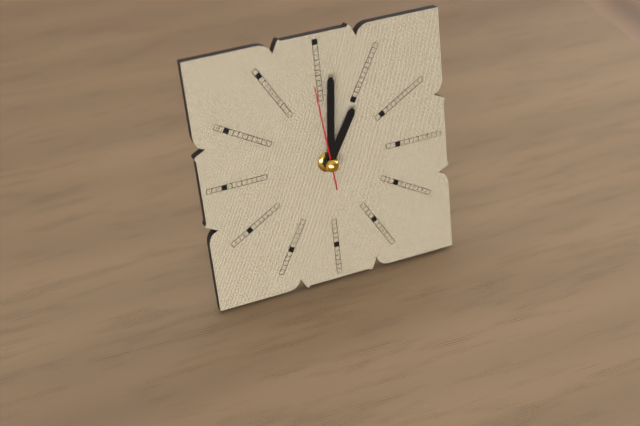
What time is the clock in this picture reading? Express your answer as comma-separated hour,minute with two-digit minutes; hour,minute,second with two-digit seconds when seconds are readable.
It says 1,01,59
